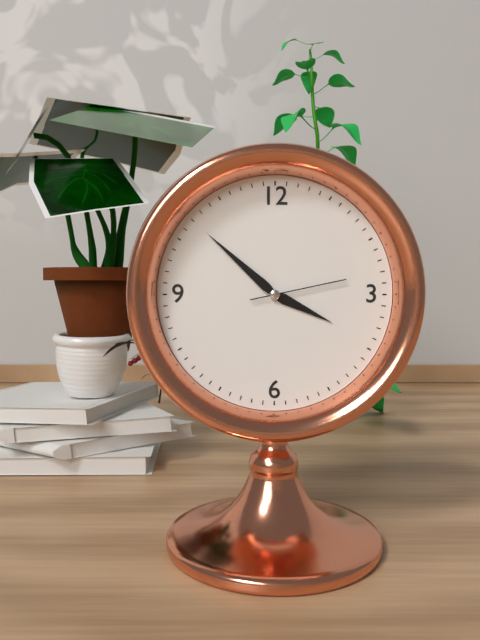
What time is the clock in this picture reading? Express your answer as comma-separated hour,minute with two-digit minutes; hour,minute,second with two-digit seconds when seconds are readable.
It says 3,52,13
